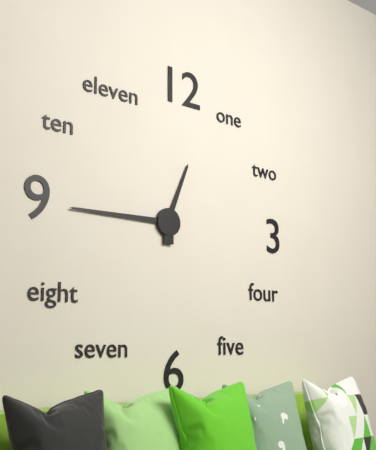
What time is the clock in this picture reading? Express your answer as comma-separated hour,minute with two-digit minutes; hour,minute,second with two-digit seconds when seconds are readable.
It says 12,45
